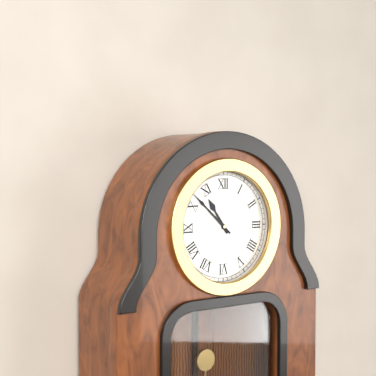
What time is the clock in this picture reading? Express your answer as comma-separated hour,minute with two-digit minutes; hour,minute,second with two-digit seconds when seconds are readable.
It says 10,52
